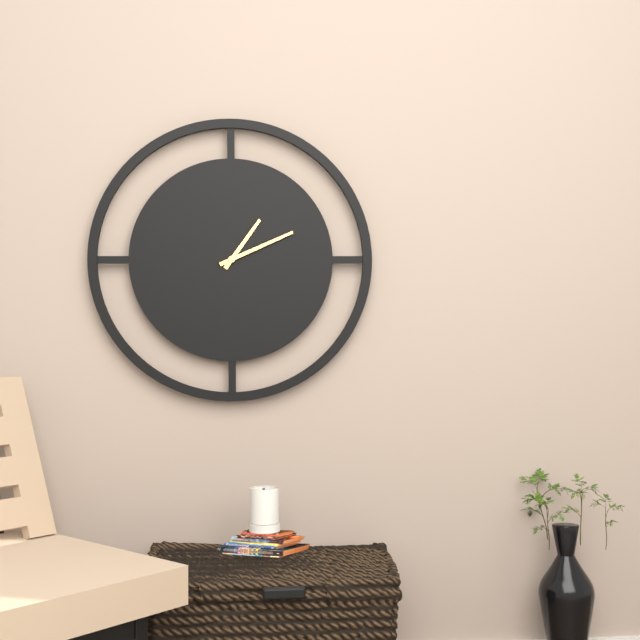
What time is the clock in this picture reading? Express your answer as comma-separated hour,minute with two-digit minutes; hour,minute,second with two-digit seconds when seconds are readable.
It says 1,11
